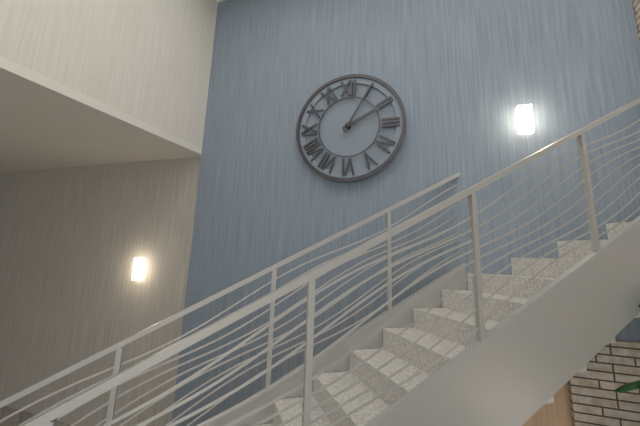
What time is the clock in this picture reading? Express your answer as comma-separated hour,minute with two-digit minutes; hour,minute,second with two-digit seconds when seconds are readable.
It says 2,05
